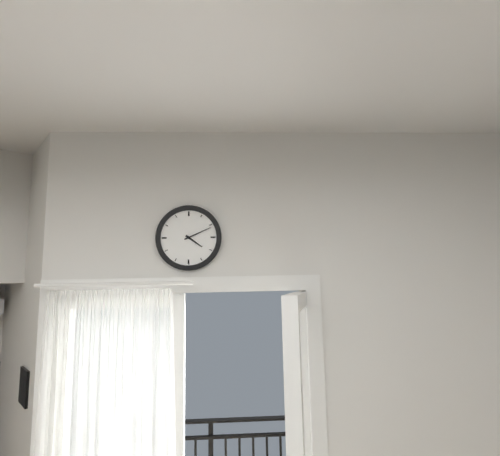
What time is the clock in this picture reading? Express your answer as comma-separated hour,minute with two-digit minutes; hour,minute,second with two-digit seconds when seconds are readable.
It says 4,11
